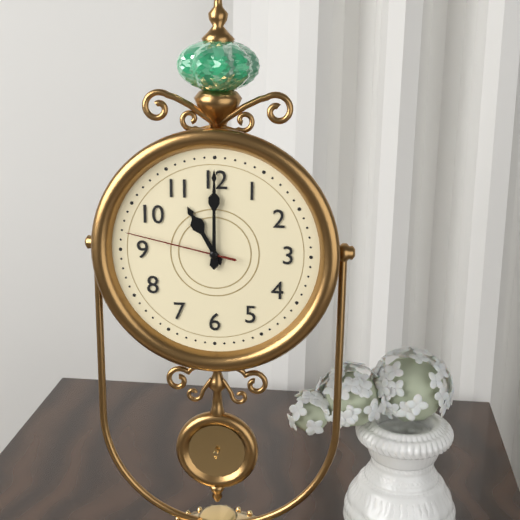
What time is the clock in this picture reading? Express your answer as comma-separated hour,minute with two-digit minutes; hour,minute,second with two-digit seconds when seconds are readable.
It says 11,00,47
